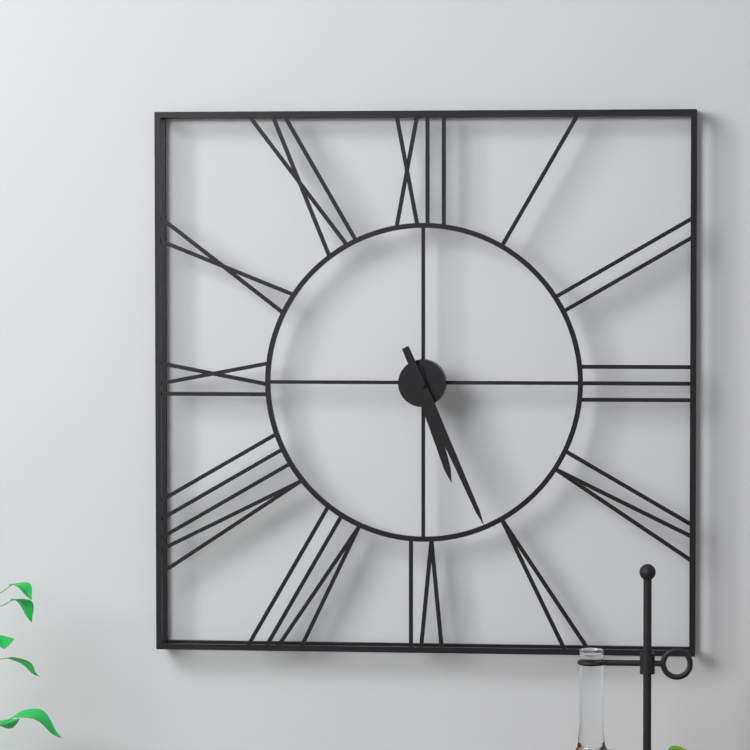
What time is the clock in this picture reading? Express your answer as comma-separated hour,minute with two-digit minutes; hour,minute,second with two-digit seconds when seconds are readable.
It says 5,26
